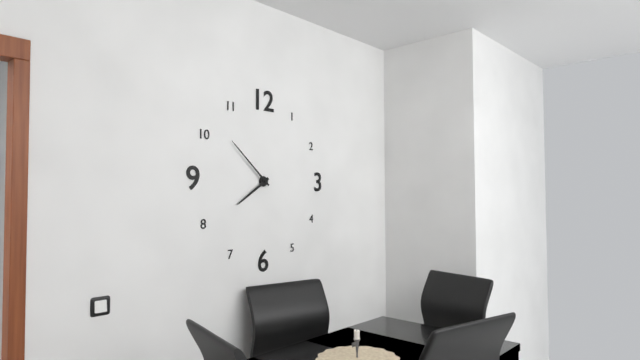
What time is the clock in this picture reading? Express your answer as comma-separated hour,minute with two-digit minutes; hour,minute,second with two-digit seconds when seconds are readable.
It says 7,52
